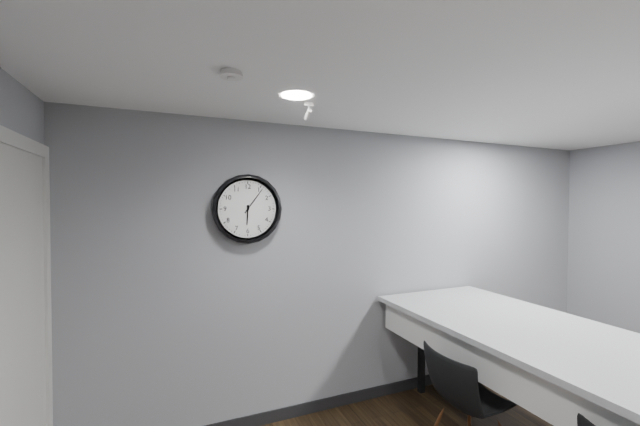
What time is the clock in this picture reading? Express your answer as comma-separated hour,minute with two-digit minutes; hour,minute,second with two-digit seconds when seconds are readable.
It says 6,06
